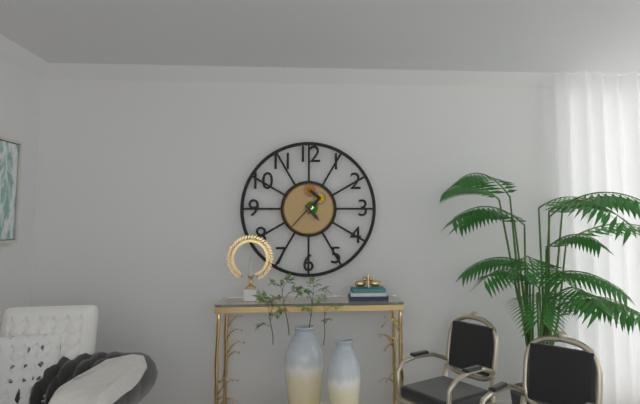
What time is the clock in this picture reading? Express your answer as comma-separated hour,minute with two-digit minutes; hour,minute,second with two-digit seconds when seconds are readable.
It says 4,37
